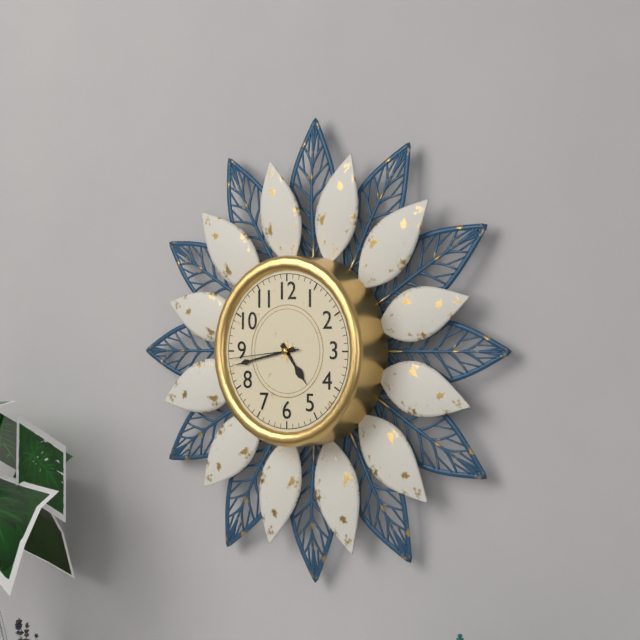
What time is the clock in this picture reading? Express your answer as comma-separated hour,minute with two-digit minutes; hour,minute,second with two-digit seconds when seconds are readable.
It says 4,43,44
